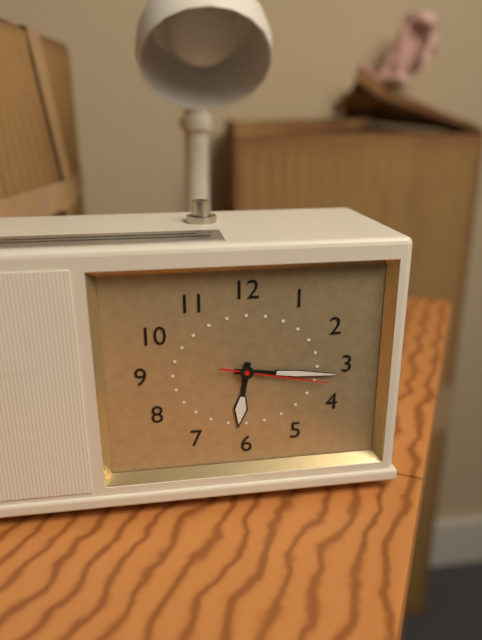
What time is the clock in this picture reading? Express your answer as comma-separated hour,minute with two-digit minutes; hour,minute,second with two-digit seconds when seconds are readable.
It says 6,16,17
